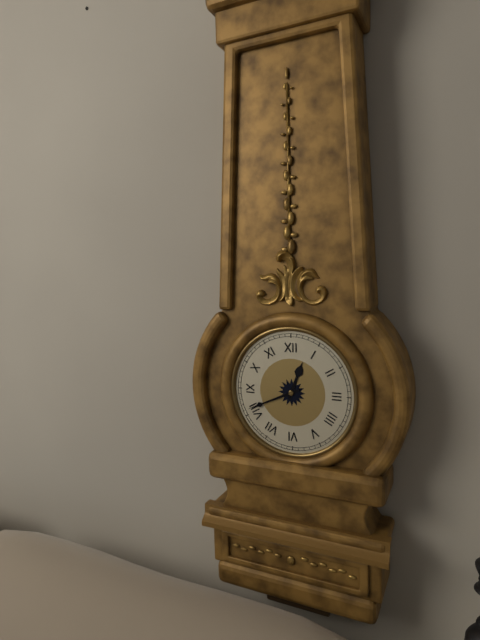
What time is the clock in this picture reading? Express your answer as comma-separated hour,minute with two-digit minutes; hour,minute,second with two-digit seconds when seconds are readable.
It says 12,41
